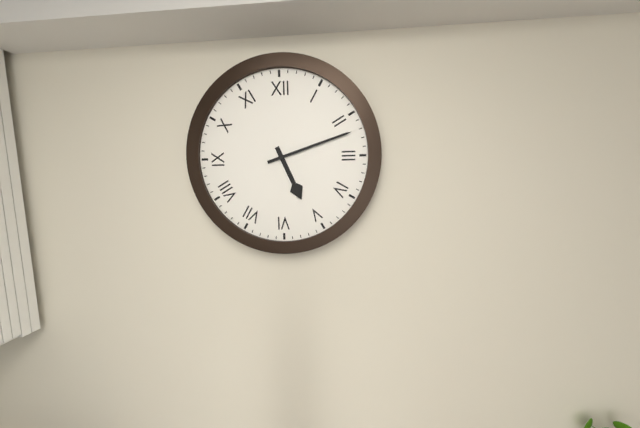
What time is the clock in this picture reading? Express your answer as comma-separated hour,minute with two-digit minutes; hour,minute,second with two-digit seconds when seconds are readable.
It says 5,12
